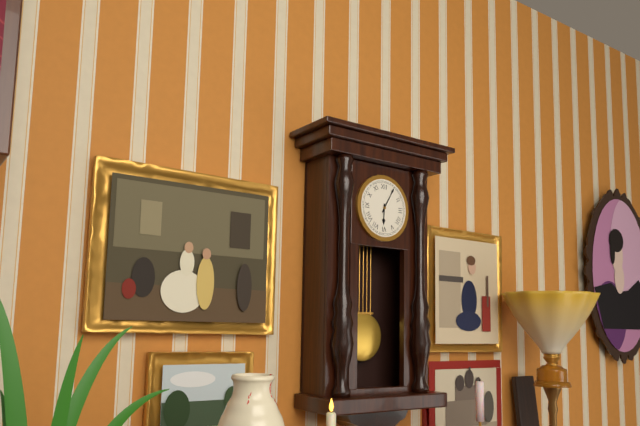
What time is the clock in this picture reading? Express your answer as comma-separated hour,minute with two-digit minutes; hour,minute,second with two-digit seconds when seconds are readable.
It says 6,05
